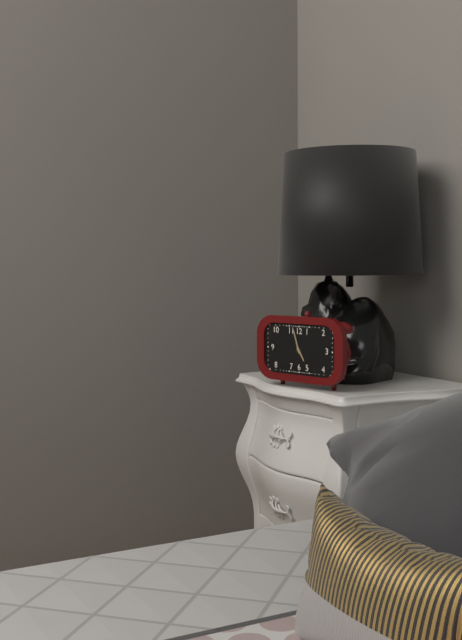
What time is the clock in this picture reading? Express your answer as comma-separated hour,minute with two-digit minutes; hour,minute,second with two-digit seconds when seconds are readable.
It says 4,57
